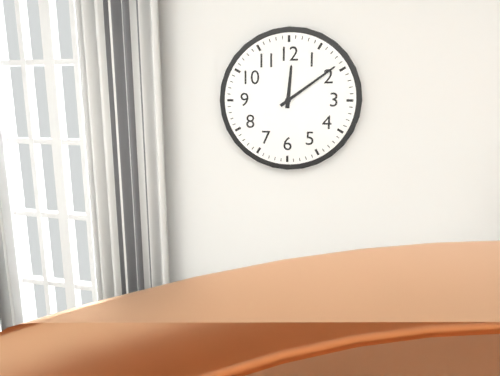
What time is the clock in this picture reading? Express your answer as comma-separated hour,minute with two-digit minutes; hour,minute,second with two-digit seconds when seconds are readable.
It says 12,09
